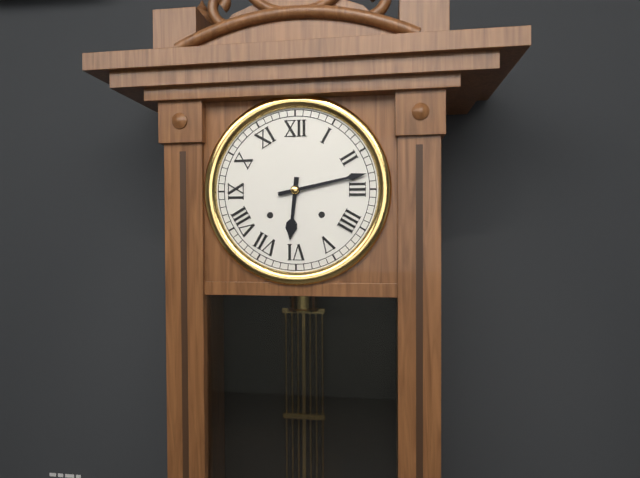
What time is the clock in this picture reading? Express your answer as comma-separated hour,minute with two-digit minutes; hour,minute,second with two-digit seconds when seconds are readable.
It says 6,13
